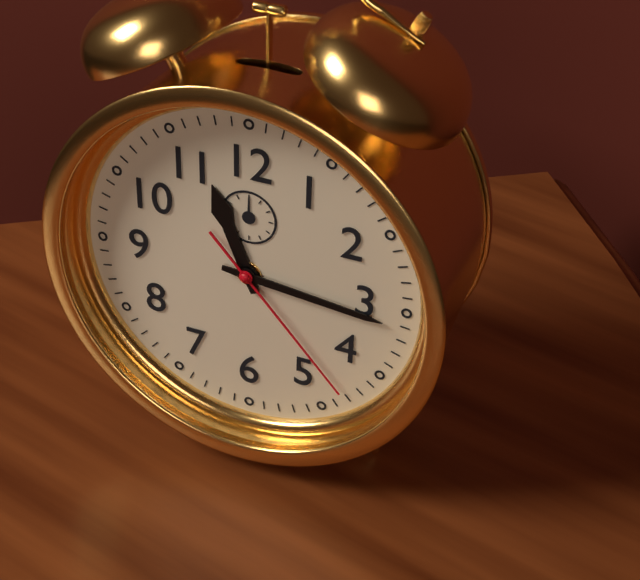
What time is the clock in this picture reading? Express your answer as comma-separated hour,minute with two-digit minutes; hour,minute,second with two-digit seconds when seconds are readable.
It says 11,16,23
